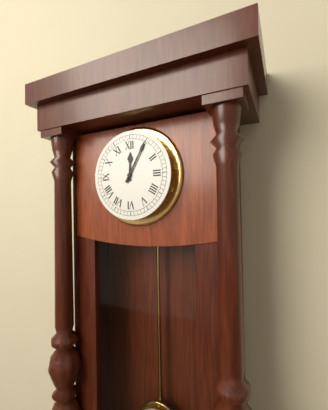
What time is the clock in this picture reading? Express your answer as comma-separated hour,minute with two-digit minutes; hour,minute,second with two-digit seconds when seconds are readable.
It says 12,05
